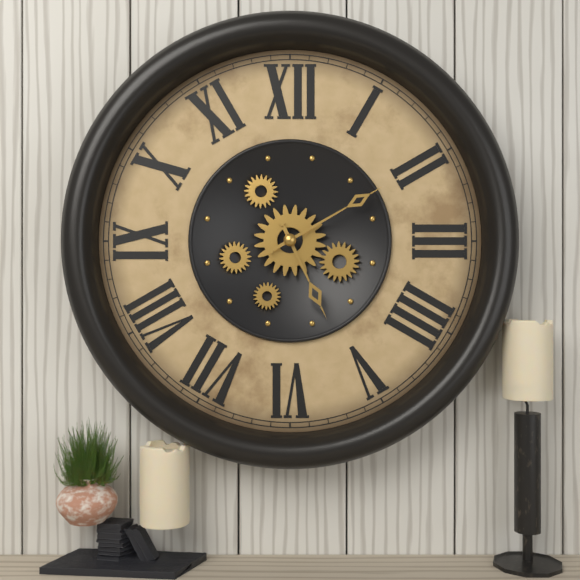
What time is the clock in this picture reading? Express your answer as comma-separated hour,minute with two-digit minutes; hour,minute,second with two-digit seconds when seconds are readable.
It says 5,10
